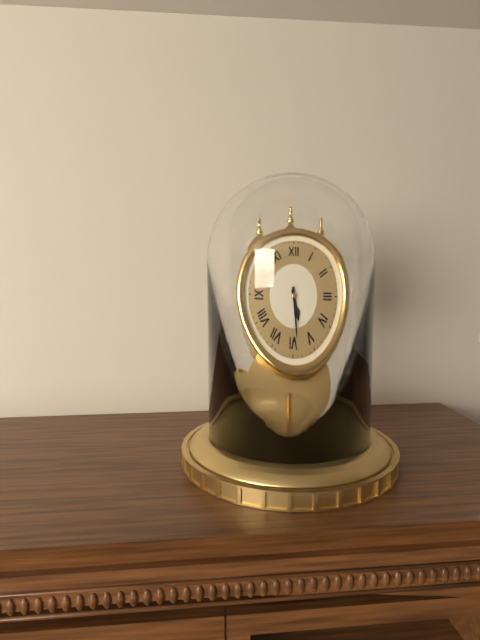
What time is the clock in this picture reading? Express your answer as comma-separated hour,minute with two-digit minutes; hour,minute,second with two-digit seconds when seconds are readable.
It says 5,29
